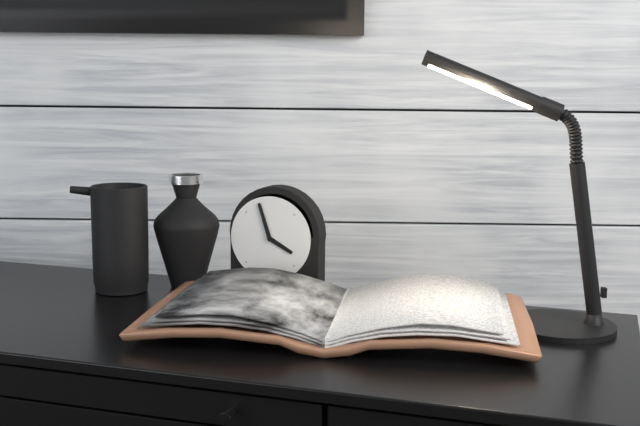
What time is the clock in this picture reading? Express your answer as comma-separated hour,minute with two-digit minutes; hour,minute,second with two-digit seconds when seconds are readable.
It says 3,57
